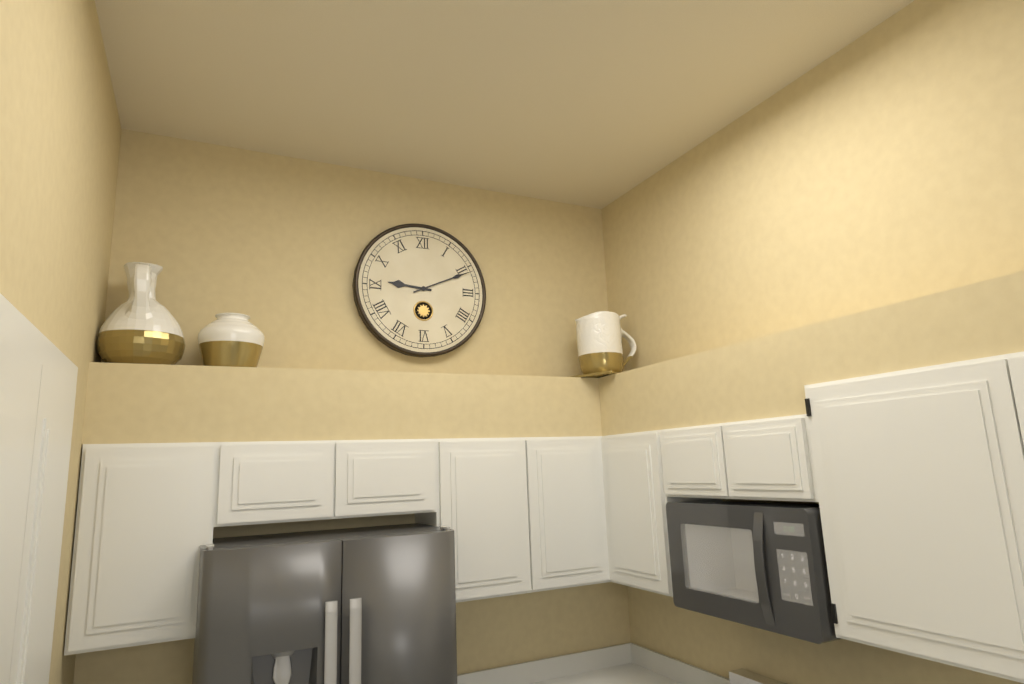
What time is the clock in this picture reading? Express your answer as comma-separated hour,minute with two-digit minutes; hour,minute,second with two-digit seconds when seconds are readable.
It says 9,11
